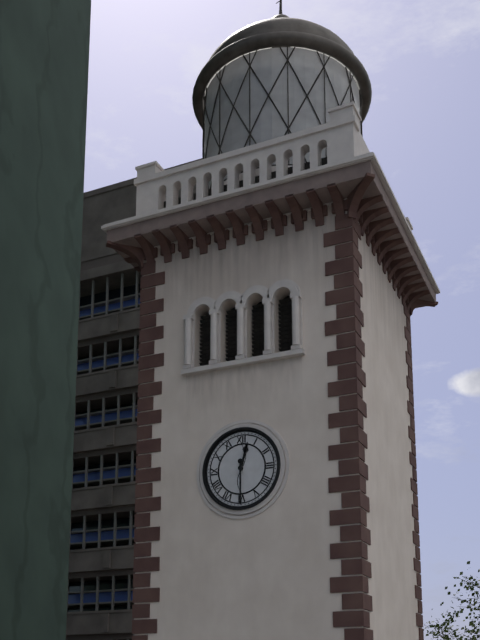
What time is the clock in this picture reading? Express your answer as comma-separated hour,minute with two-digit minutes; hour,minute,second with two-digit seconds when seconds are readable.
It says 12,30
